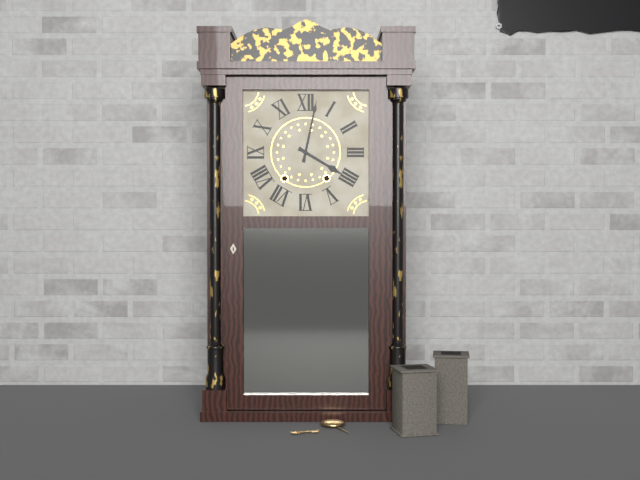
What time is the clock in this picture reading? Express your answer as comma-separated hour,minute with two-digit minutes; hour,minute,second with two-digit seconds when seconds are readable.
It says 4,02
